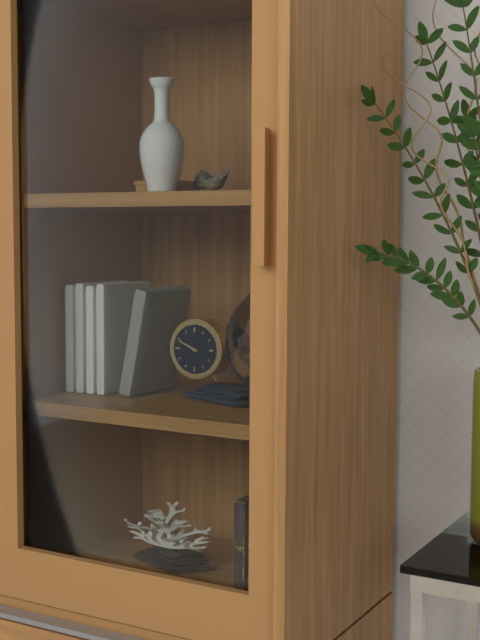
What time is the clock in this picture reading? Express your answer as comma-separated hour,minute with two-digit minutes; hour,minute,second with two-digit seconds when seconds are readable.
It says 9,49
